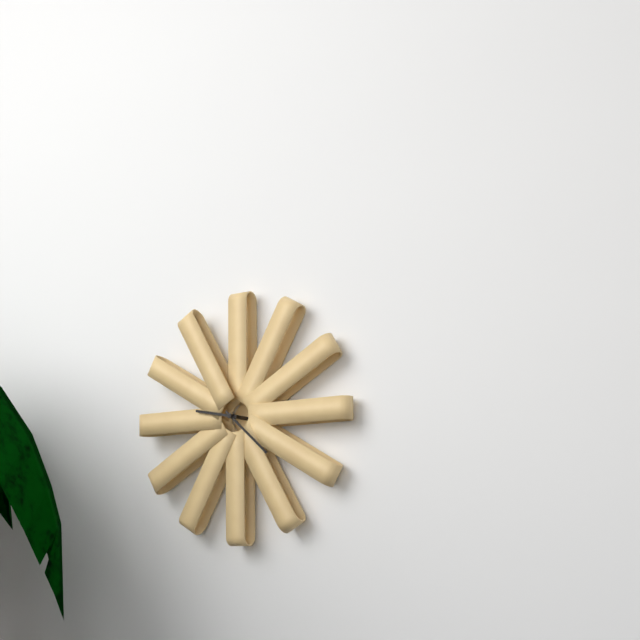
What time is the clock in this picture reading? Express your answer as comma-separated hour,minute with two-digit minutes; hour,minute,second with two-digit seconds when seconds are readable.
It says 9,22
